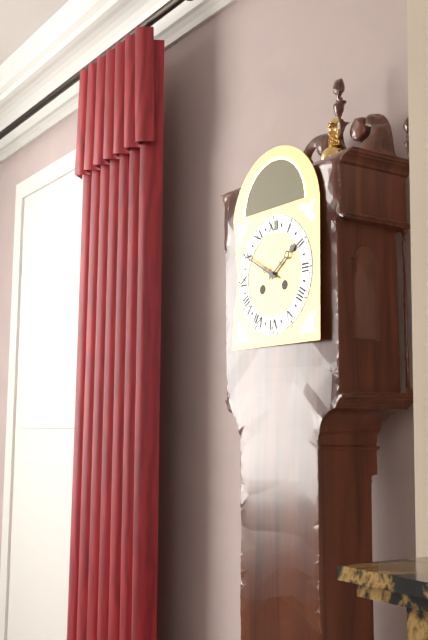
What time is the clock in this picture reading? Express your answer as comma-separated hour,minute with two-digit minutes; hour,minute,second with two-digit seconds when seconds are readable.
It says 1,50
